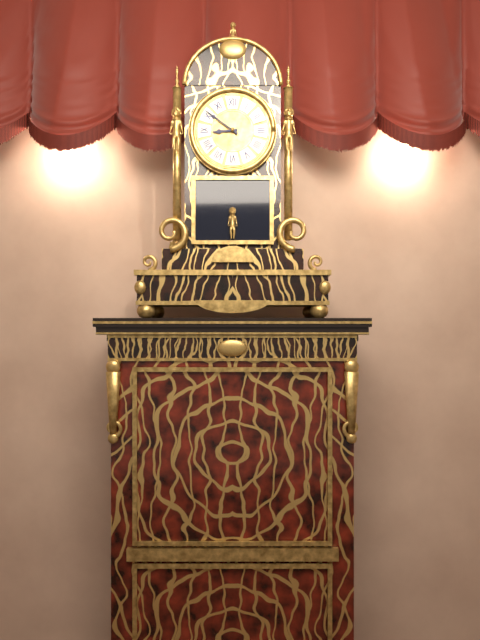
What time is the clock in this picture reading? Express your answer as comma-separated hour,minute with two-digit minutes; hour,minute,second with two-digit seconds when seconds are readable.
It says 8,51
